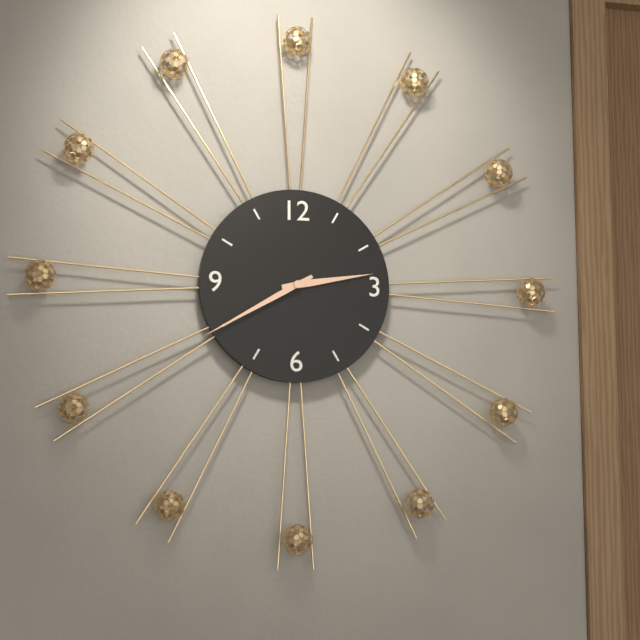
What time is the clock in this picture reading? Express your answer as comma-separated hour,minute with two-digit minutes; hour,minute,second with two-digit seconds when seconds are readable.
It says 2,40
